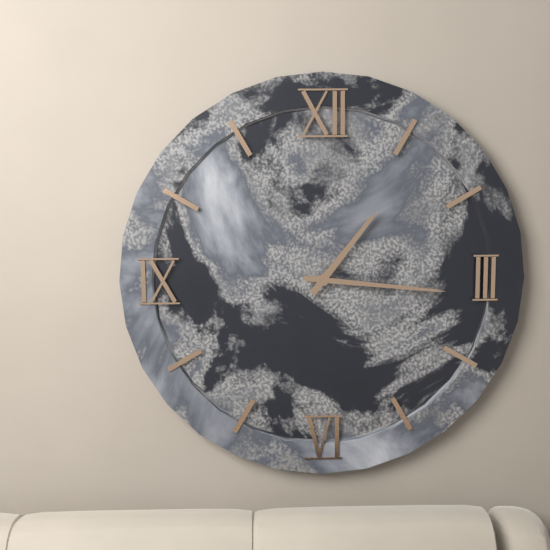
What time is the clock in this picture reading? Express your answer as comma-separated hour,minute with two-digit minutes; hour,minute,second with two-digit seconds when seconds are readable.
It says 1,16
